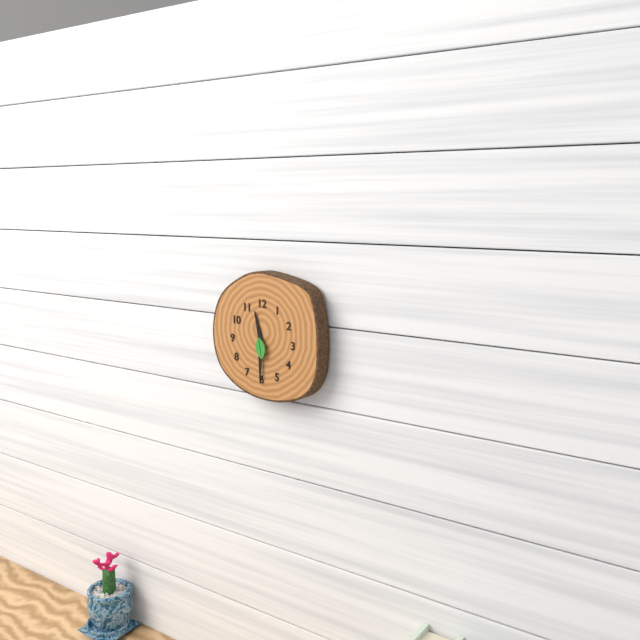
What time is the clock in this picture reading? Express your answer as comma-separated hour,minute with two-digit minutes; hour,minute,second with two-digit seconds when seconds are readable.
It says 11,30
